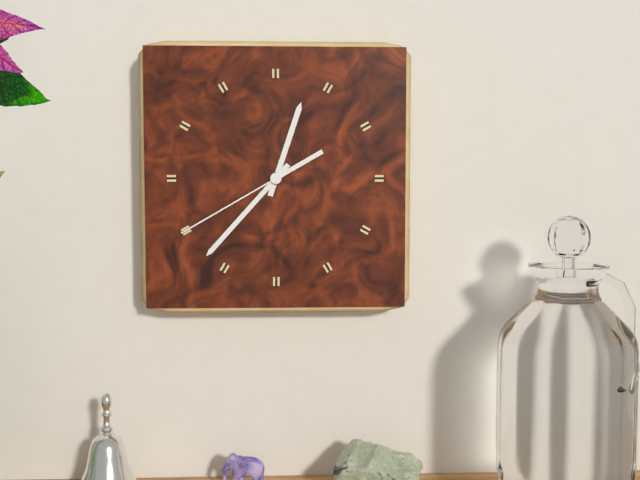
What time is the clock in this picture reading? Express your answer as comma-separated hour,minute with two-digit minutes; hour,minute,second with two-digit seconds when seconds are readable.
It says 12,37,40
